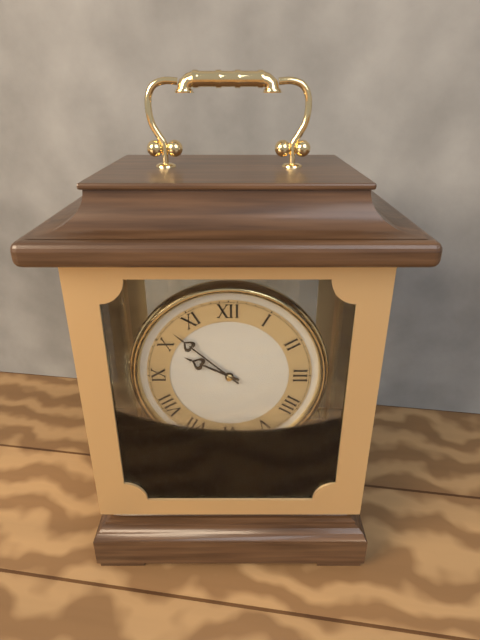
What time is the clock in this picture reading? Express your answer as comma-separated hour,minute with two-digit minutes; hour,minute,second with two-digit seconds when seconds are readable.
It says 9,52
